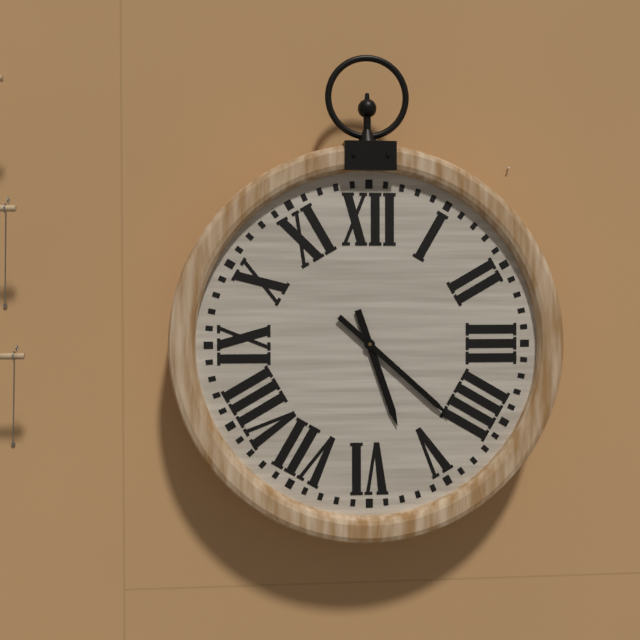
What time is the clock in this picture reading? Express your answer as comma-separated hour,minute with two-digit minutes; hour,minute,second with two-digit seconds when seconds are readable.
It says 5,22
